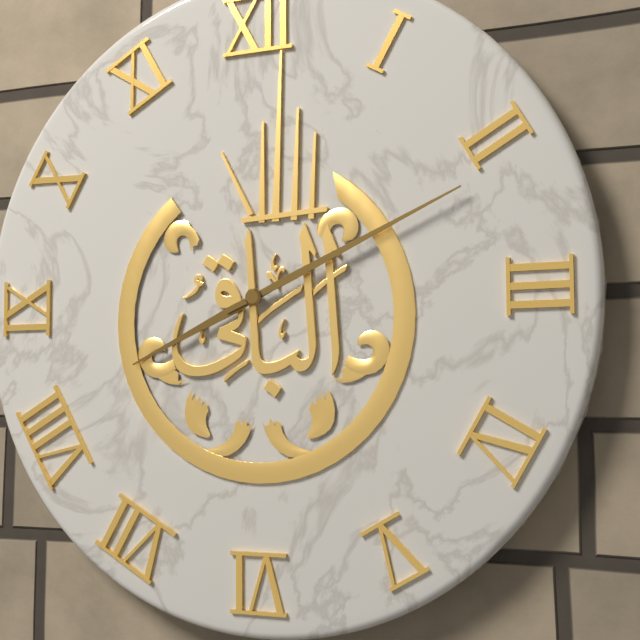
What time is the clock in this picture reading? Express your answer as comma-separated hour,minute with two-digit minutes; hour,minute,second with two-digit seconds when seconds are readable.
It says 8,11
